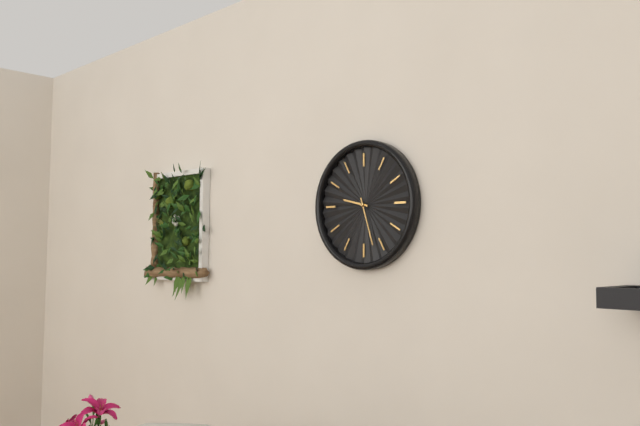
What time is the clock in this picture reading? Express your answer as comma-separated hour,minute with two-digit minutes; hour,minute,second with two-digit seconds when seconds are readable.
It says 9,27
